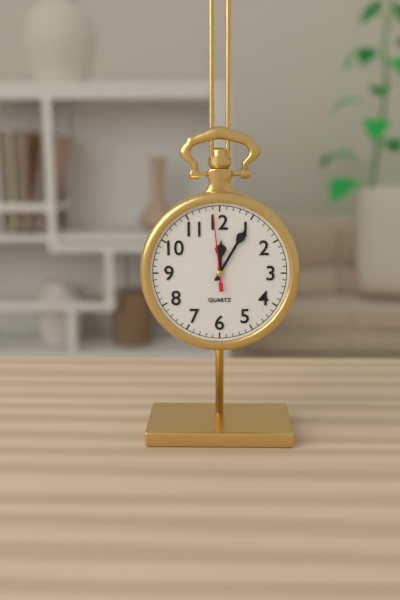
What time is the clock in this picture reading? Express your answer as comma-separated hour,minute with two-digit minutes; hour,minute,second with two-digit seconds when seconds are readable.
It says 12,05,59
